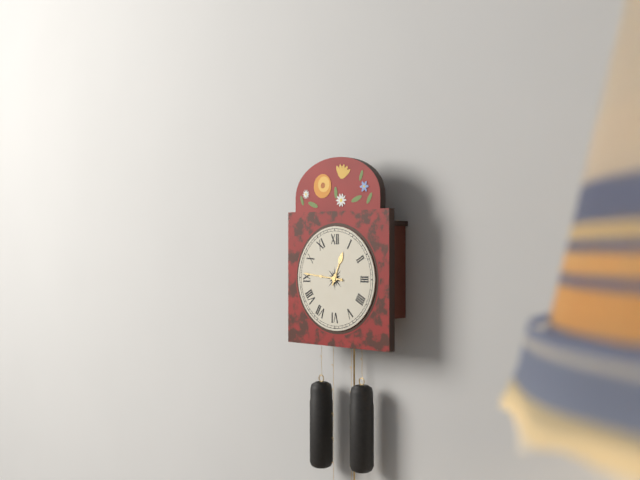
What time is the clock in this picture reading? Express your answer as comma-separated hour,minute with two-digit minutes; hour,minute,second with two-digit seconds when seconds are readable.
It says 12,46
